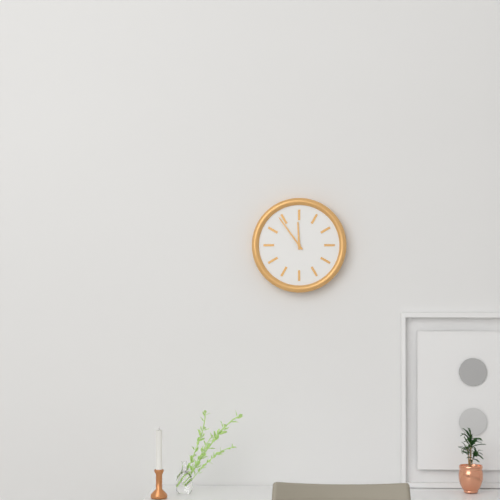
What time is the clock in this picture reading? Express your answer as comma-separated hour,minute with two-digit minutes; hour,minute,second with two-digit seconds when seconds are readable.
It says 11,54
